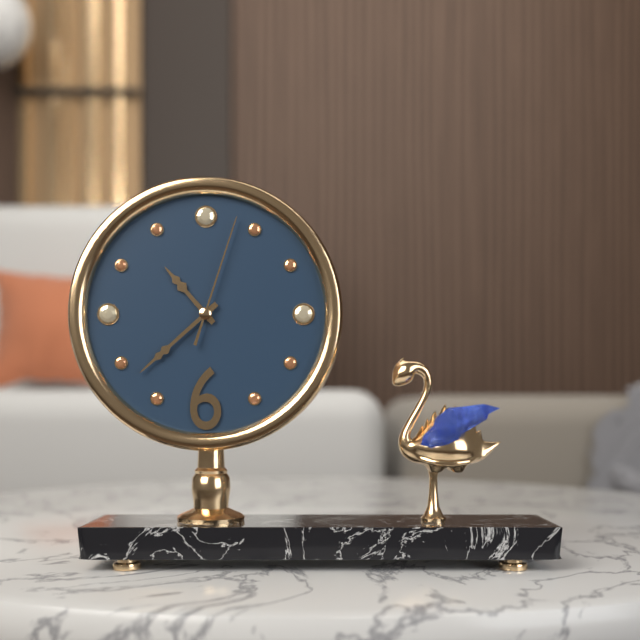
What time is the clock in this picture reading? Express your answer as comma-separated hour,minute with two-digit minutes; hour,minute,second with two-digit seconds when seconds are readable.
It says 10,38,03
